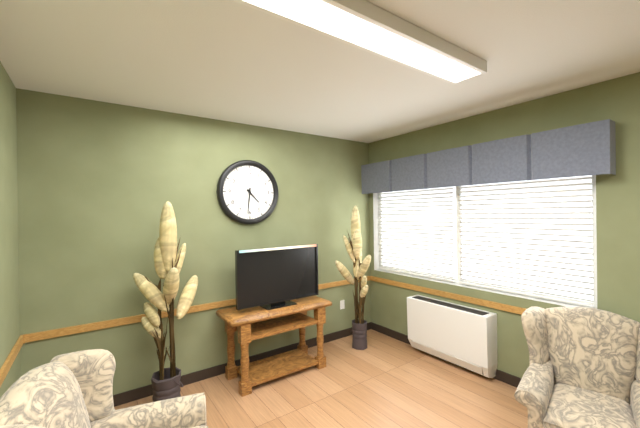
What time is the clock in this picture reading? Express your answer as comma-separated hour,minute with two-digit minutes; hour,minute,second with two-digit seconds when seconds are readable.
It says 4,31
